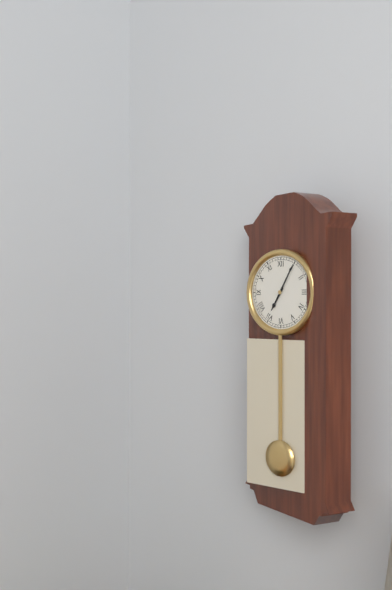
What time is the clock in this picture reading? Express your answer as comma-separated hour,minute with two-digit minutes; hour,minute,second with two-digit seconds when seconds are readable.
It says 7,05
